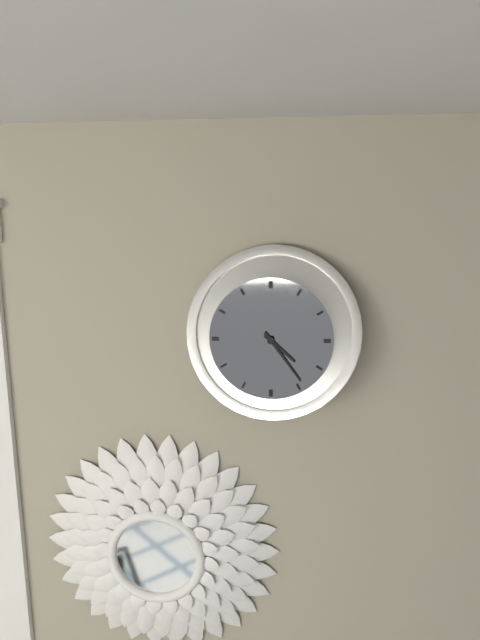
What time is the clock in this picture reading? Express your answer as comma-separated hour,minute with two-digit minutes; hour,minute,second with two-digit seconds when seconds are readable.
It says 4,24
